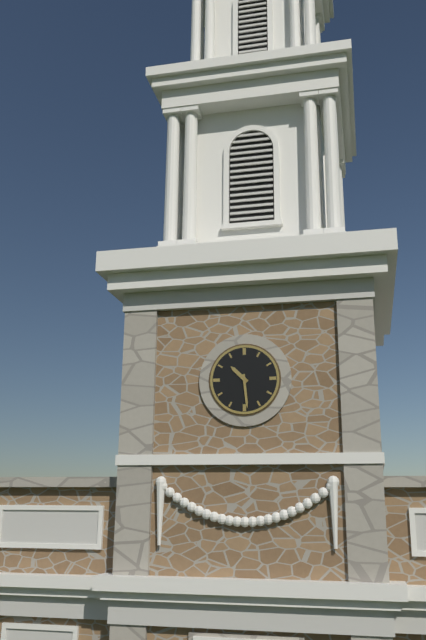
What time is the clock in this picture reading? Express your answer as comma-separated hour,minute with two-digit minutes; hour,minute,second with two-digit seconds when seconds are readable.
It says 10,29
